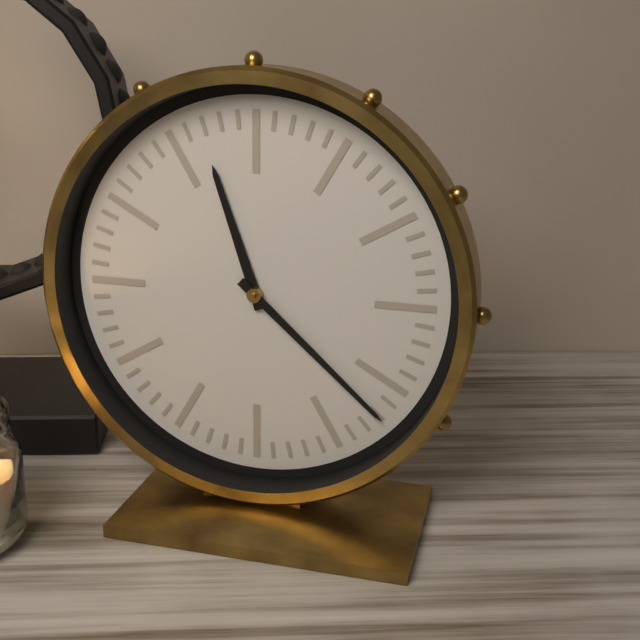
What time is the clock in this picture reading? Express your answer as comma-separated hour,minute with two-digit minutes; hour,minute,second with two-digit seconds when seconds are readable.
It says 11,22
